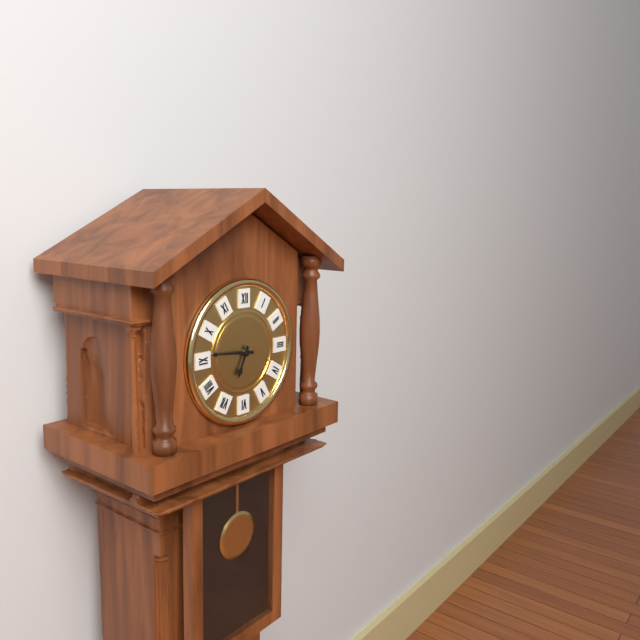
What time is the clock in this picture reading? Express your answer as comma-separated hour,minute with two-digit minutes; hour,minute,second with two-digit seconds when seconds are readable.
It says 6,46
